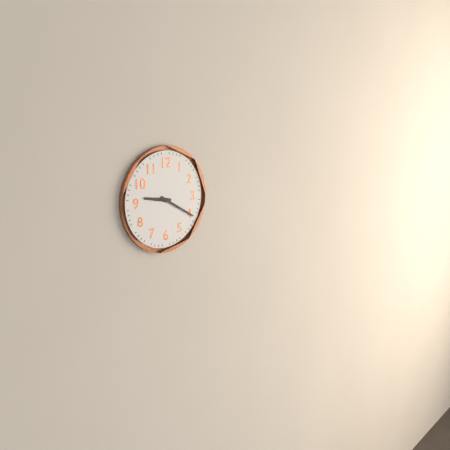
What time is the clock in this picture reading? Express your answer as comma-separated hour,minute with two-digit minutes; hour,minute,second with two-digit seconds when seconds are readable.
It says 9,20
